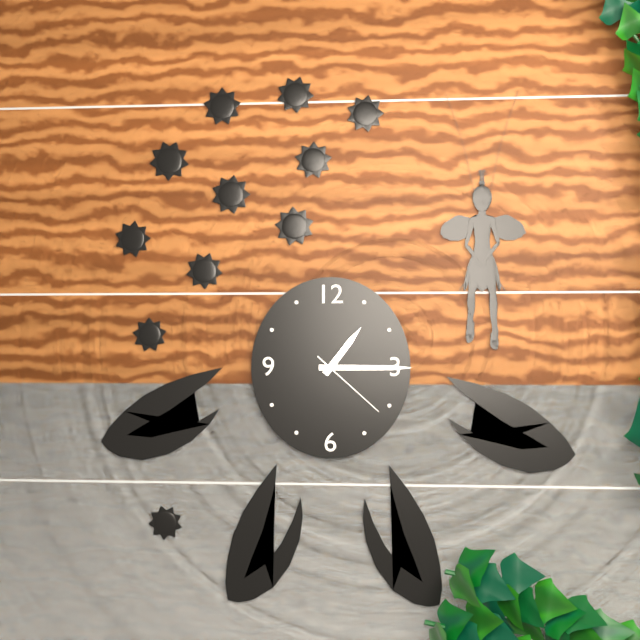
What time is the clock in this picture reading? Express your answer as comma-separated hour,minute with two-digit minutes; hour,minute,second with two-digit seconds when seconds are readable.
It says 1,15,22
